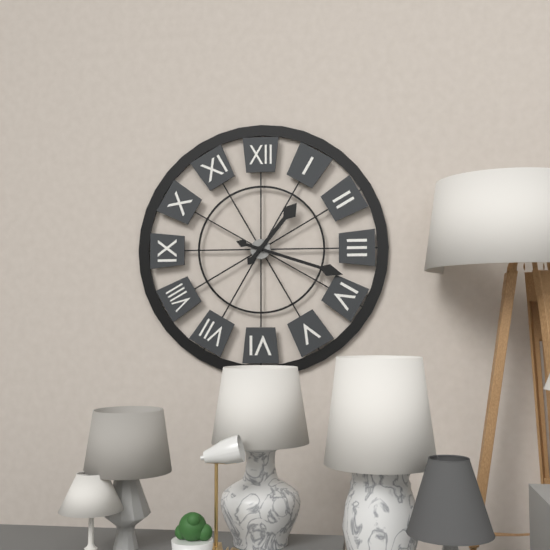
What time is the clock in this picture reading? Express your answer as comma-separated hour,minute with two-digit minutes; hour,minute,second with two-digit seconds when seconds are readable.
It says 1,18
